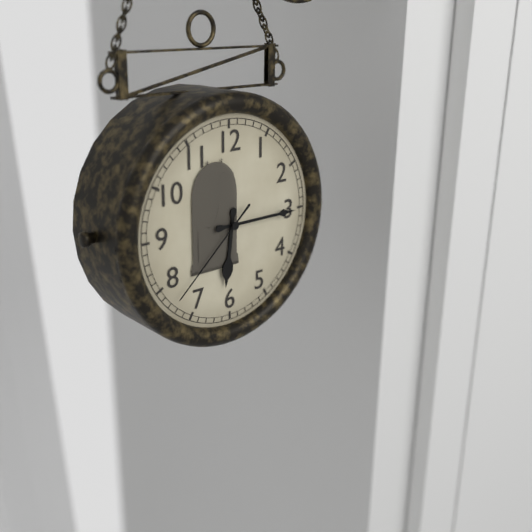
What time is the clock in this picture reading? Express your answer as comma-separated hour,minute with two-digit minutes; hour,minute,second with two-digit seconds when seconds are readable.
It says 6,15,38
